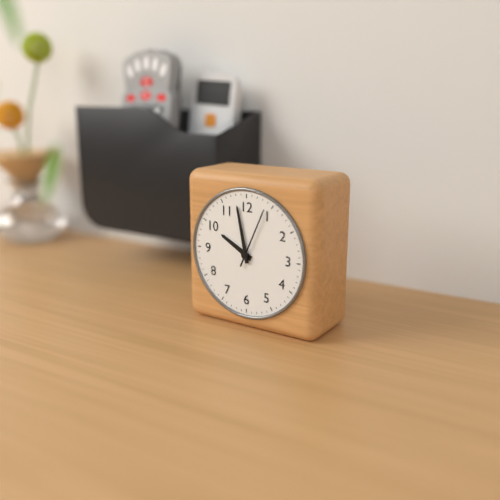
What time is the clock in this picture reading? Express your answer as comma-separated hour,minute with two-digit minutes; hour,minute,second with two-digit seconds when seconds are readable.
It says 9,58,04
